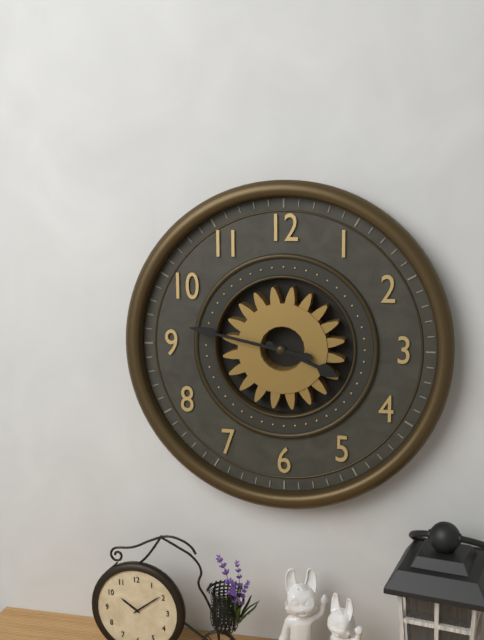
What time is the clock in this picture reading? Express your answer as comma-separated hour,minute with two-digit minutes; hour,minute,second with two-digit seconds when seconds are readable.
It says 3,47
